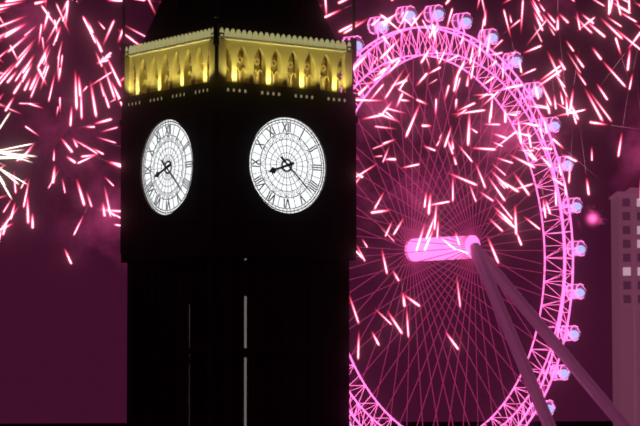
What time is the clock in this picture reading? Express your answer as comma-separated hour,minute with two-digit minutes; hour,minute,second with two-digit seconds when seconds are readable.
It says 8,22
